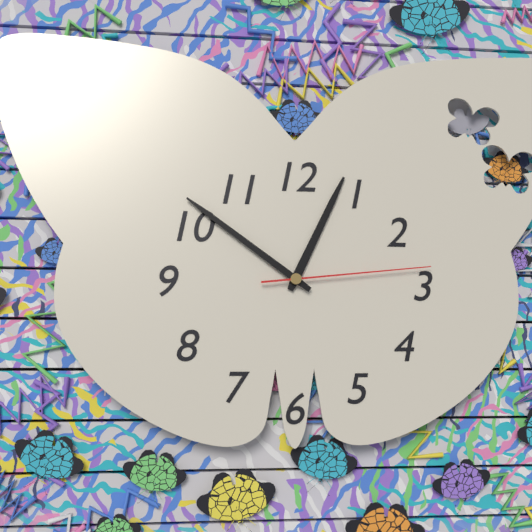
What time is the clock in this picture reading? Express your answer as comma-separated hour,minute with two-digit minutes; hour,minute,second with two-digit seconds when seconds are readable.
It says 12,51,14
